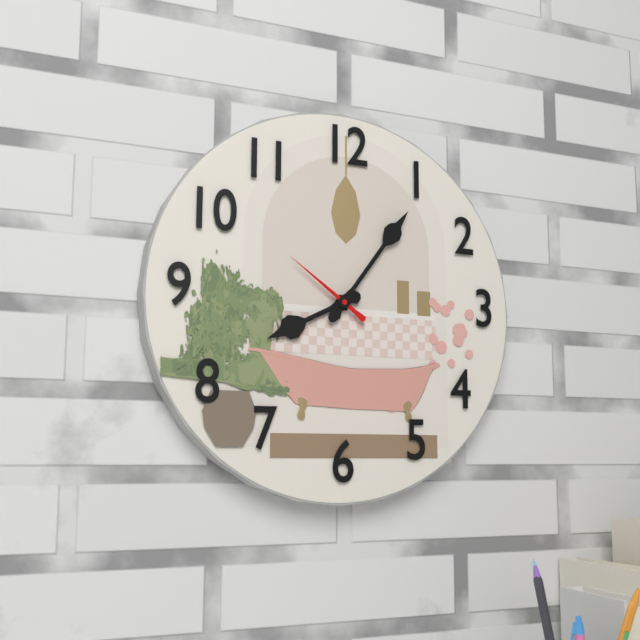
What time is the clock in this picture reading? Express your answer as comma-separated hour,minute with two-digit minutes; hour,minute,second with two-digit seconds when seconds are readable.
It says 8,06,51
